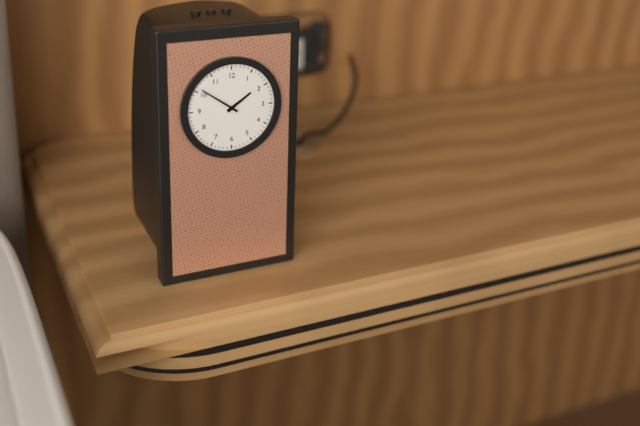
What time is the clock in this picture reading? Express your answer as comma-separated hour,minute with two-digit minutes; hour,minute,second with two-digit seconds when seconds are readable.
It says 1,51
